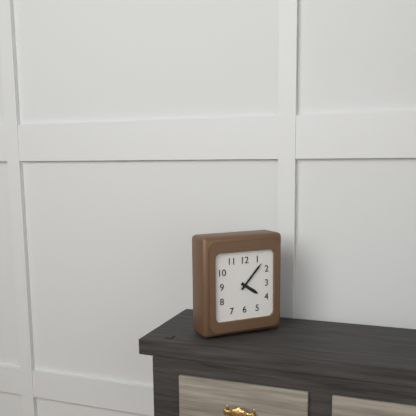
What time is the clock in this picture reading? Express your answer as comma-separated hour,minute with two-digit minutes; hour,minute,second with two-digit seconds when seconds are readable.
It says 4,07
